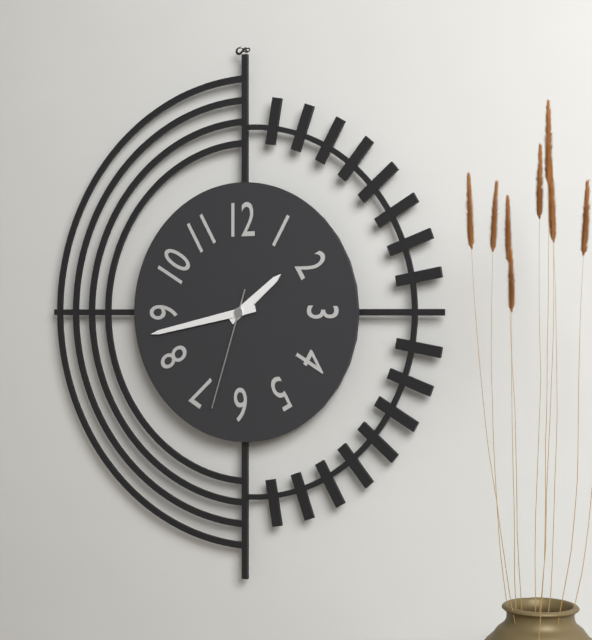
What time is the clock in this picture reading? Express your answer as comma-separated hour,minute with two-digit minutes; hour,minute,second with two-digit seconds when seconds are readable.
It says 1,43,33
